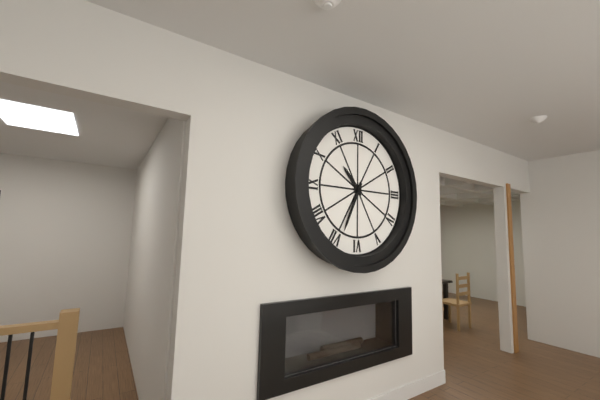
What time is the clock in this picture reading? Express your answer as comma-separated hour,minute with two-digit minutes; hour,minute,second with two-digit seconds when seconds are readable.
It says 10,34
